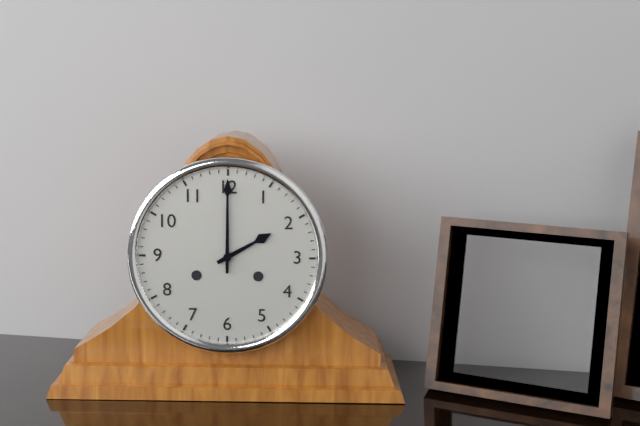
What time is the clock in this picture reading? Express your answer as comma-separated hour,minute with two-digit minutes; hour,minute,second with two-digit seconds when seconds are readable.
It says 2,00
